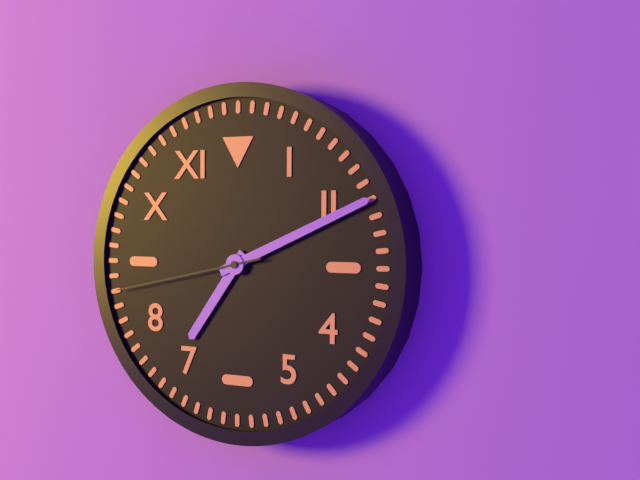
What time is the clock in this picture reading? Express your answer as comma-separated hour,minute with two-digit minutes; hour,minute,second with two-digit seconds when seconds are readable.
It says 7,11,43
